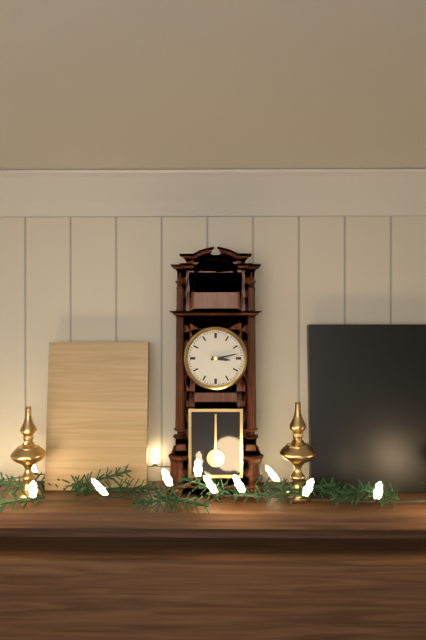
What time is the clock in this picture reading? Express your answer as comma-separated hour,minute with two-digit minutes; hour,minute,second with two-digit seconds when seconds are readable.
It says 3,13
